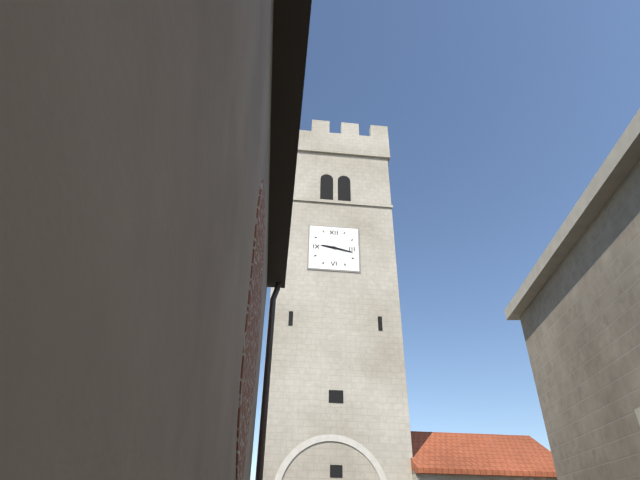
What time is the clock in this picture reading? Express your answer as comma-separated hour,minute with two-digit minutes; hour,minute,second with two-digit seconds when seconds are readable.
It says 9,17
